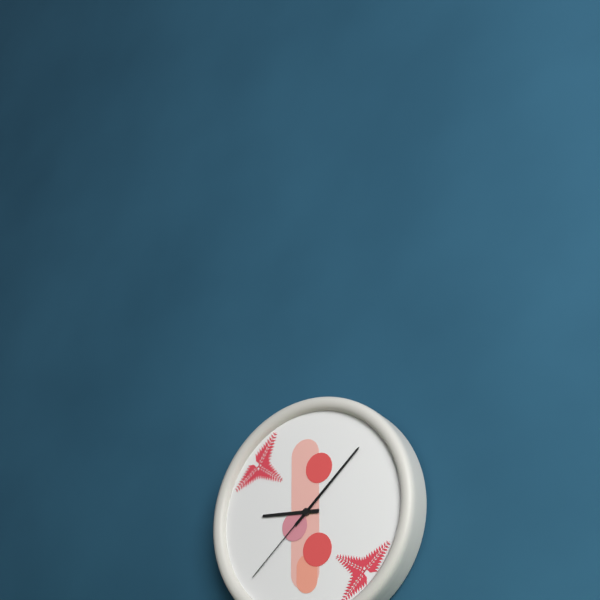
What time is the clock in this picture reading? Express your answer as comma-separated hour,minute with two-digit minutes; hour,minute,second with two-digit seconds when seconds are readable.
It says 9,08,38
